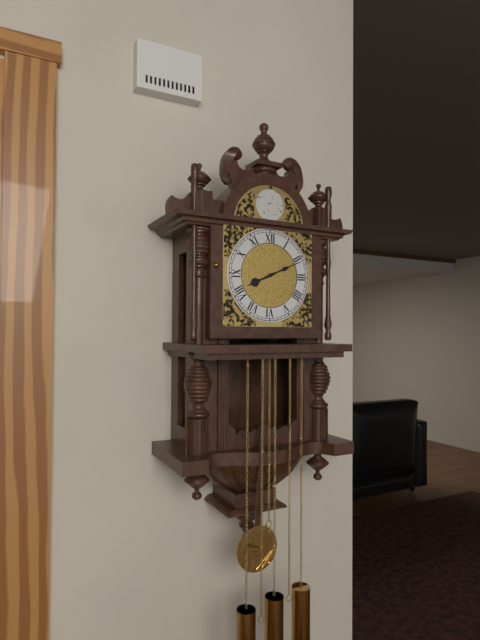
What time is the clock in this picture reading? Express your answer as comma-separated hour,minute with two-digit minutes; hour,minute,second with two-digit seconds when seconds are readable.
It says 8,11
